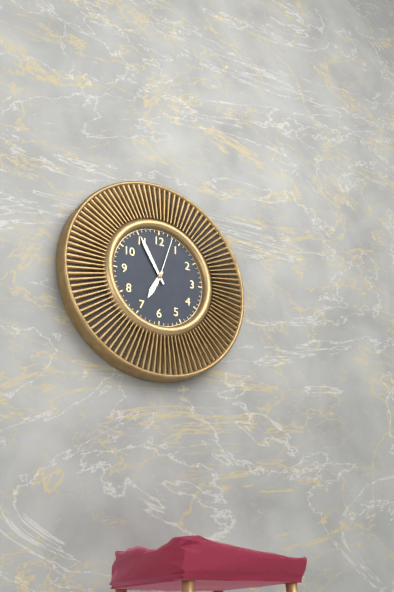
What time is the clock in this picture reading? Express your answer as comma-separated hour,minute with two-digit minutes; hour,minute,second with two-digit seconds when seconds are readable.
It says 6,55,03
